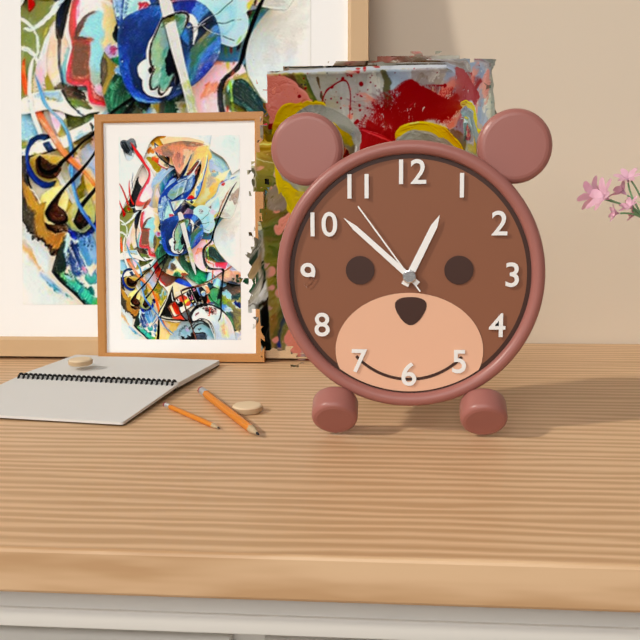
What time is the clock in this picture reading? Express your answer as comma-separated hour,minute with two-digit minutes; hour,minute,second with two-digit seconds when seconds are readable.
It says 12,52,54
